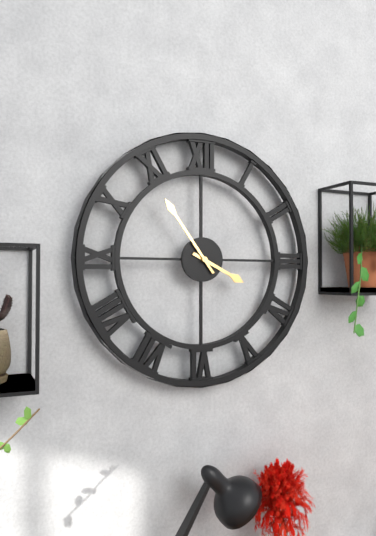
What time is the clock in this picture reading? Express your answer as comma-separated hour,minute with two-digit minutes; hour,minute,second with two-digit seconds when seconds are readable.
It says 3,54
